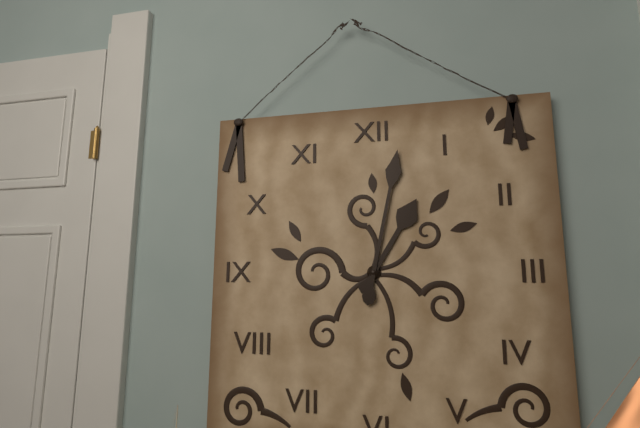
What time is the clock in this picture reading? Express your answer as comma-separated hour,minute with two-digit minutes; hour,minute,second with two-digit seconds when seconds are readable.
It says 1,02
